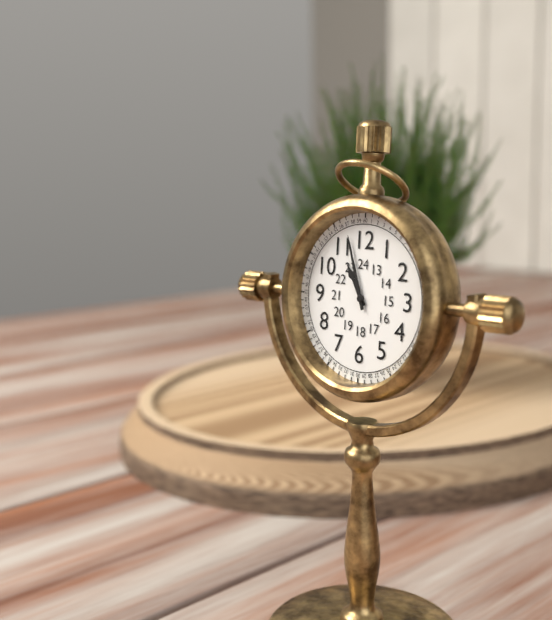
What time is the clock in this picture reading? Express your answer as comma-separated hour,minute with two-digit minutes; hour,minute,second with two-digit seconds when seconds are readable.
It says 10,57
